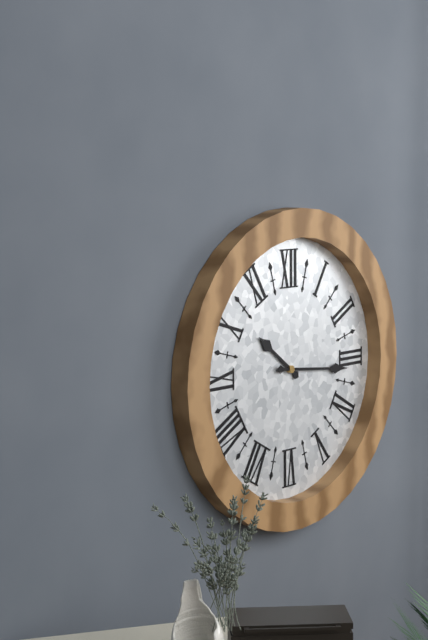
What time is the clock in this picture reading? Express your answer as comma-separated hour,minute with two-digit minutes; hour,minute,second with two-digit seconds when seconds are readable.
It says 10,16
